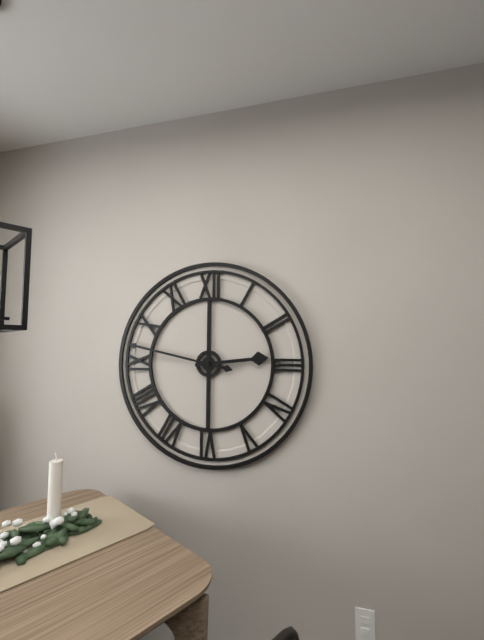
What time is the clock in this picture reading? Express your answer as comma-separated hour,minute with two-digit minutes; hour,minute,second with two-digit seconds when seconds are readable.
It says 2,47
